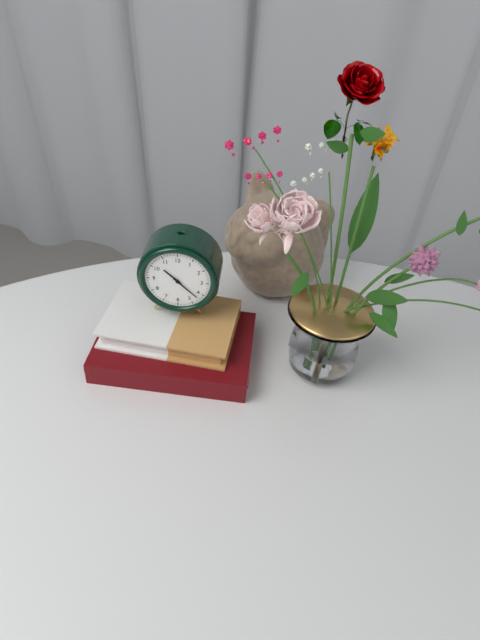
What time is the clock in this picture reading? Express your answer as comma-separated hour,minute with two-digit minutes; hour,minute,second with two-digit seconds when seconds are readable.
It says 10,22
